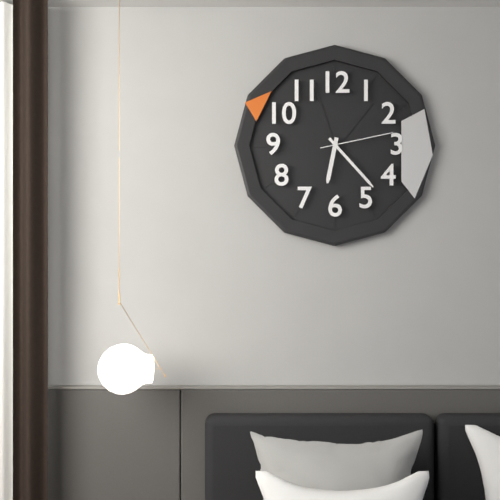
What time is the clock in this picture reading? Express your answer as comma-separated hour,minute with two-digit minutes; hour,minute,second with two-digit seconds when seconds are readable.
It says 6,23,13
